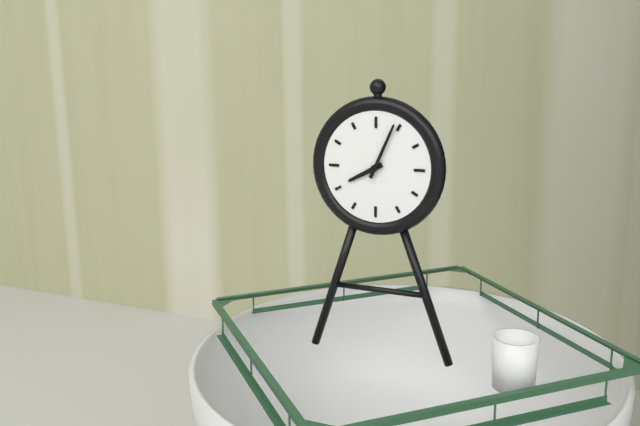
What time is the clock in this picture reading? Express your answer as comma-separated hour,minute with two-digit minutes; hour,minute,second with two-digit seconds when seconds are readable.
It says 8,04
